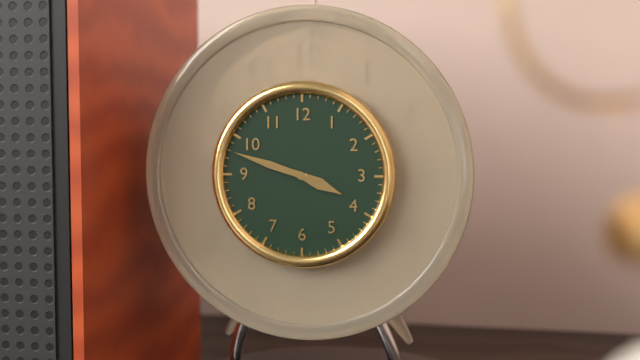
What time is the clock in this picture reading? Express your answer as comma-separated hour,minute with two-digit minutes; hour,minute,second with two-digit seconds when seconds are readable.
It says 3,48
